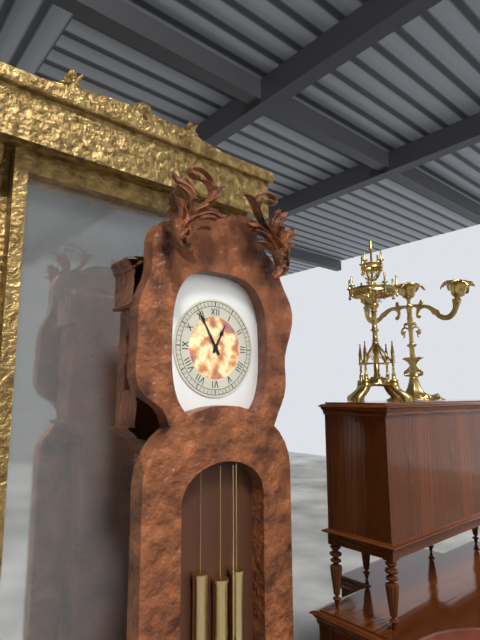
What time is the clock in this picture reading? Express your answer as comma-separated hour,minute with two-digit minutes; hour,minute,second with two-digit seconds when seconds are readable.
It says 12,55
